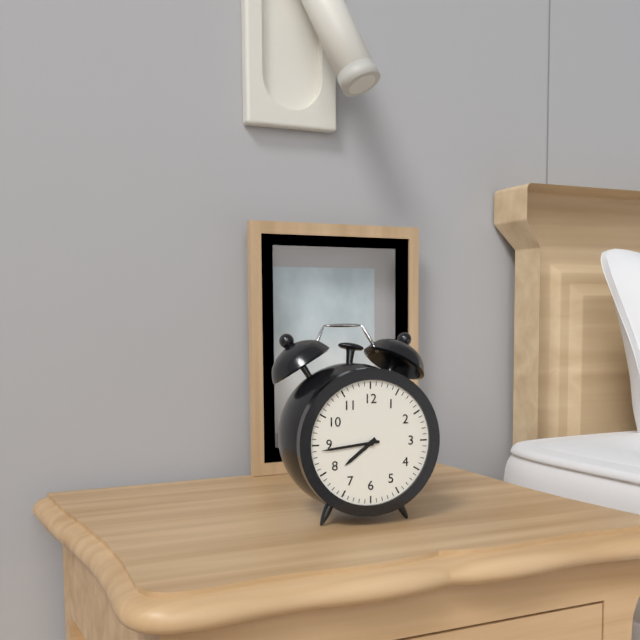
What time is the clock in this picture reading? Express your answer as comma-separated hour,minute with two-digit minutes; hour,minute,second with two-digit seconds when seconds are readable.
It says 7,44
